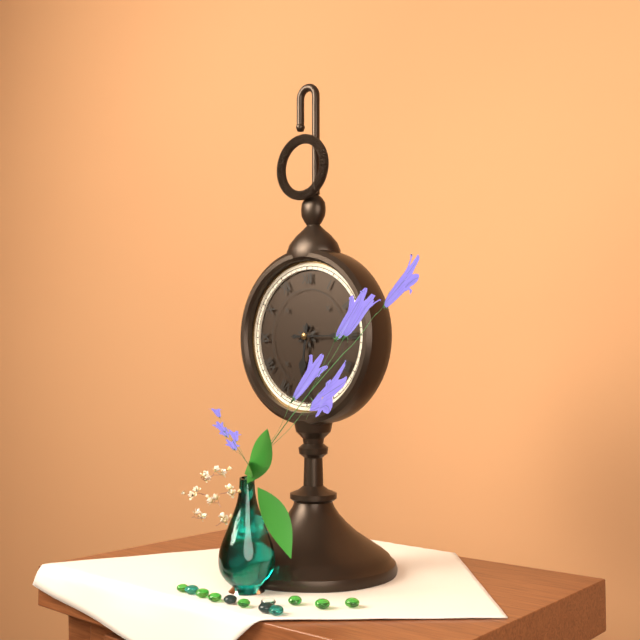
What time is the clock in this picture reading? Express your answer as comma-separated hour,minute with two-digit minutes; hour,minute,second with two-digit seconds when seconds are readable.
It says 6,15
